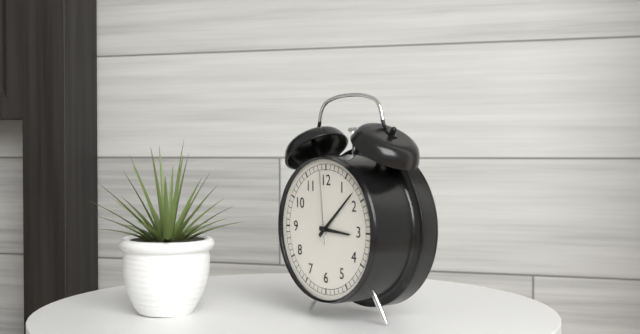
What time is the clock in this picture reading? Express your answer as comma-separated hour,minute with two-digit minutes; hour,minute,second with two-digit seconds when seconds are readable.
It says 3,08,59
